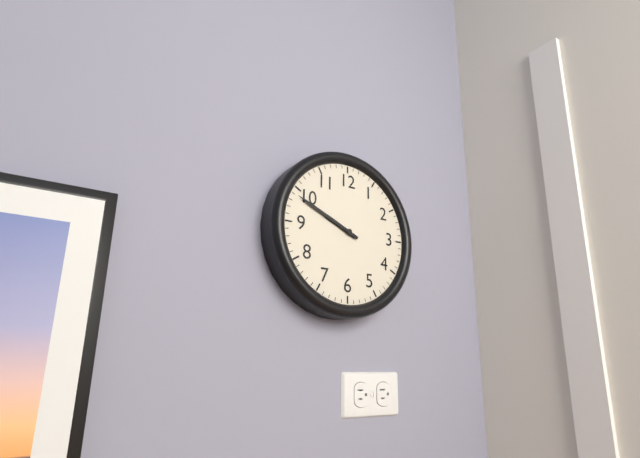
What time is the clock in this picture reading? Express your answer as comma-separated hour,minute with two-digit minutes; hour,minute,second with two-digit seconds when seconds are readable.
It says 9,49
